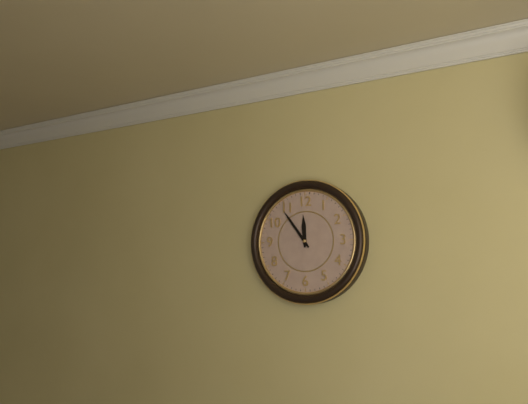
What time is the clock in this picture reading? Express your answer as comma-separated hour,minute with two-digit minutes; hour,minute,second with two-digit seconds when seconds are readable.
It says 11,54
